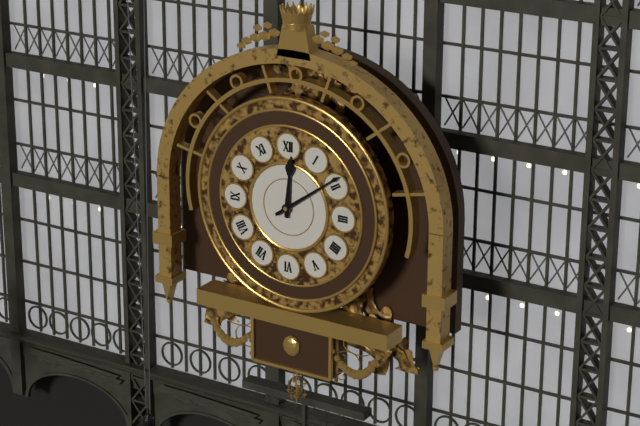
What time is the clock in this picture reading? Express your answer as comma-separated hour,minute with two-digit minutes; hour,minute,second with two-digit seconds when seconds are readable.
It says 12,09
